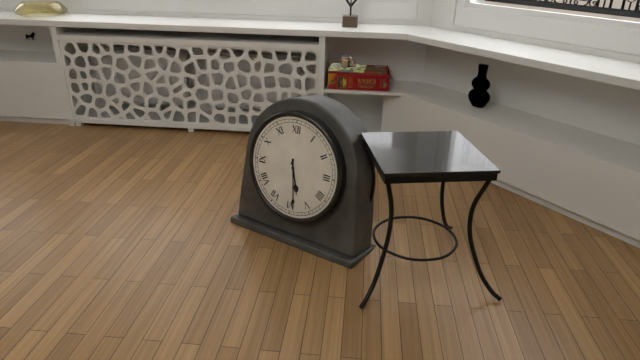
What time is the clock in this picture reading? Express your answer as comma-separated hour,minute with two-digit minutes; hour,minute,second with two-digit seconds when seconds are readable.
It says 5,29
